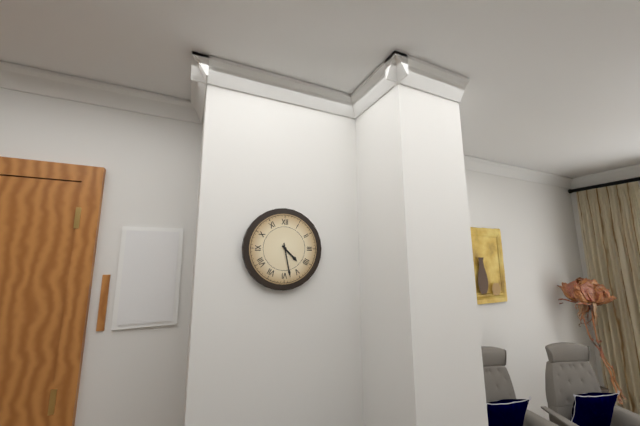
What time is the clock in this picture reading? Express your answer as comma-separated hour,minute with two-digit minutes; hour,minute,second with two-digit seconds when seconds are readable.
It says 4,28
